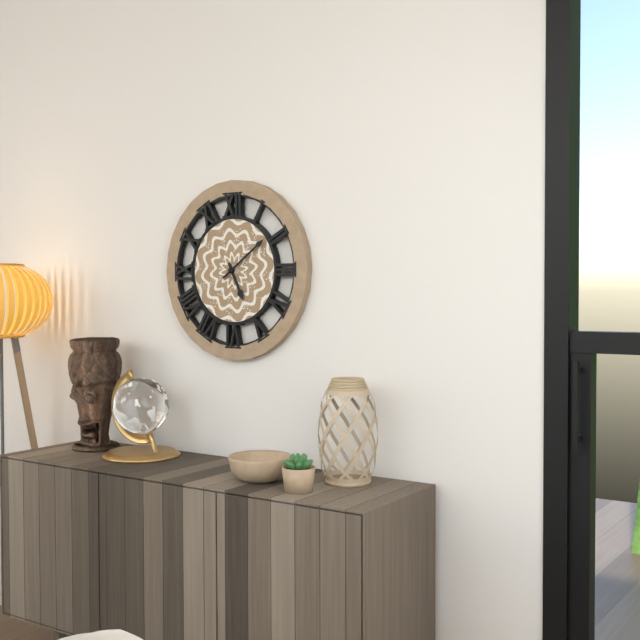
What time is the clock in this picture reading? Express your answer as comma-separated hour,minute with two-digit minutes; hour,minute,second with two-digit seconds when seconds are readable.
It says 5,09
